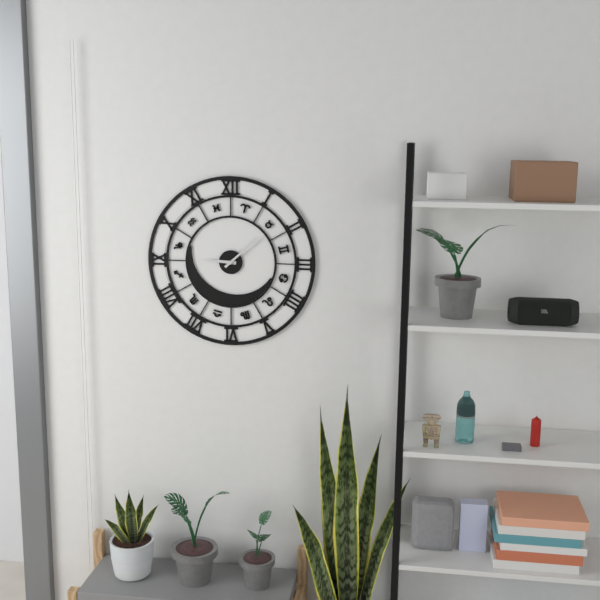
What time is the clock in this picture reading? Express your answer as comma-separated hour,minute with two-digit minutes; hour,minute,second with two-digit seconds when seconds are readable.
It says 9,08
